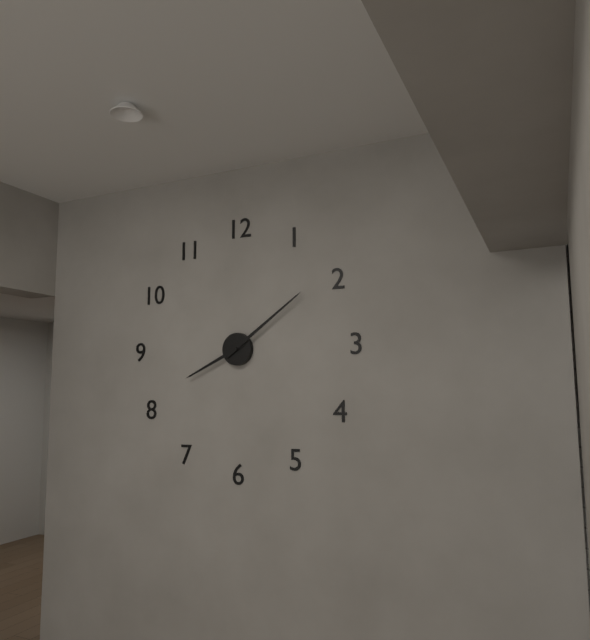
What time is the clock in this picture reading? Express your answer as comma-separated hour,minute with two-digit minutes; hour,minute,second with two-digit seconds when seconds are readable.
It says 8,09
